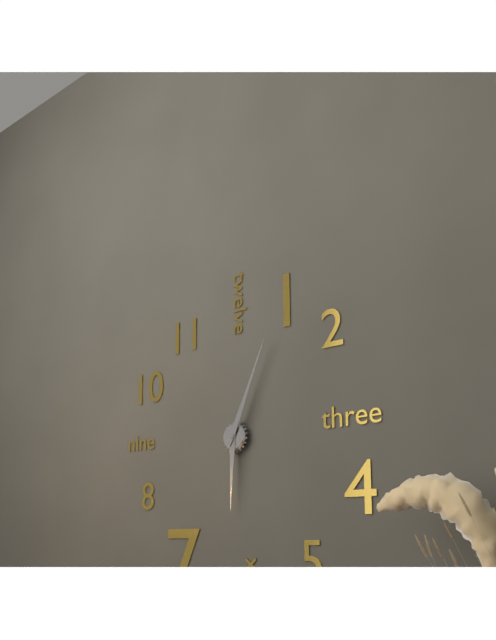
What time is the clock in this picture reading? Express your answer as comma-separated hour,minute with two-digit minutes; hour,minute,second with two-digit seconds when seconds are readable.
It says 6,04
